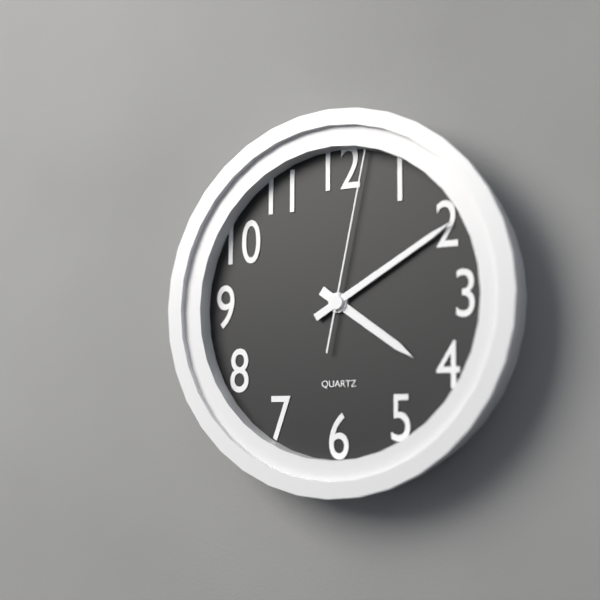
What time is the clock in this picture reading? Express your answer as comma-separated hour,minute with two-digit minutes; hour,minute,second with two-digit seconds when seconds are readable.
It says 4,10,02
